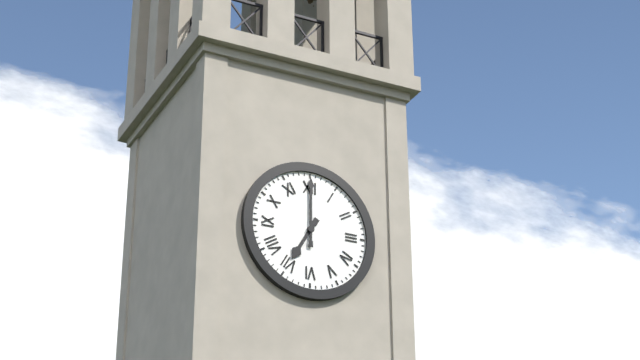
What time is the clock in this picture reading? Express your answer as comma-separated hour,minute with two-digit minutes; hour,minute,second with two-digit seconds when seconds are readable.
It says 7,00
